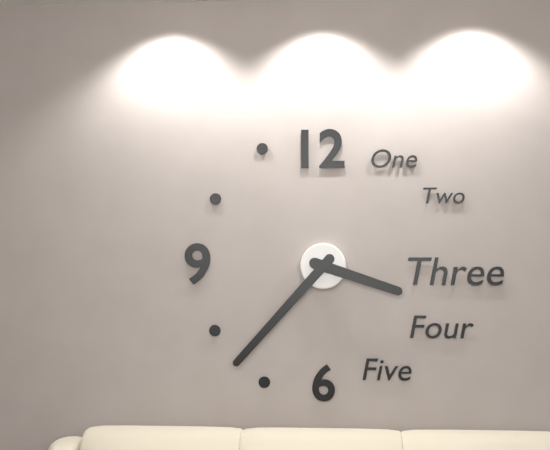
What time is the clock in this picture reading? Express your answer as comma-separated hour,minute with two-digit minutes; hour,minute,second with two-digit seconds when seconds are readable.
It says 3,37
